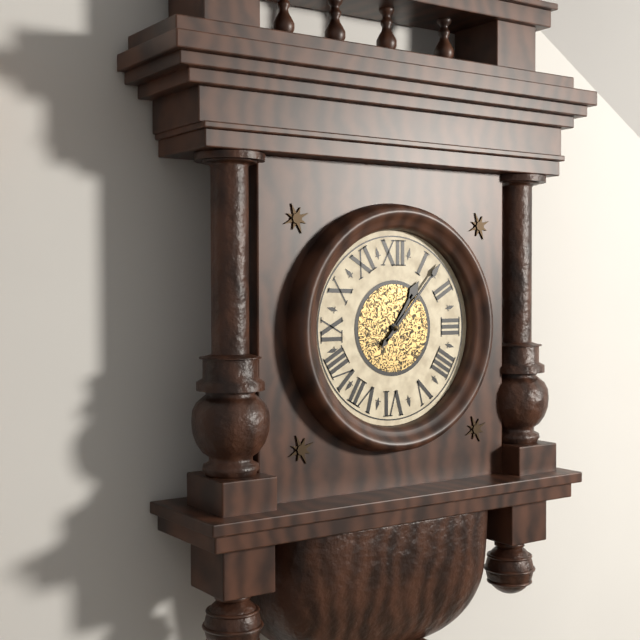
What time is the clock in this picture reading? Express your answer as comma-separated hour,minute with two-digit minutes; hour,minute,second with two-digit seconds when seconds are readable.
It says 1,07
